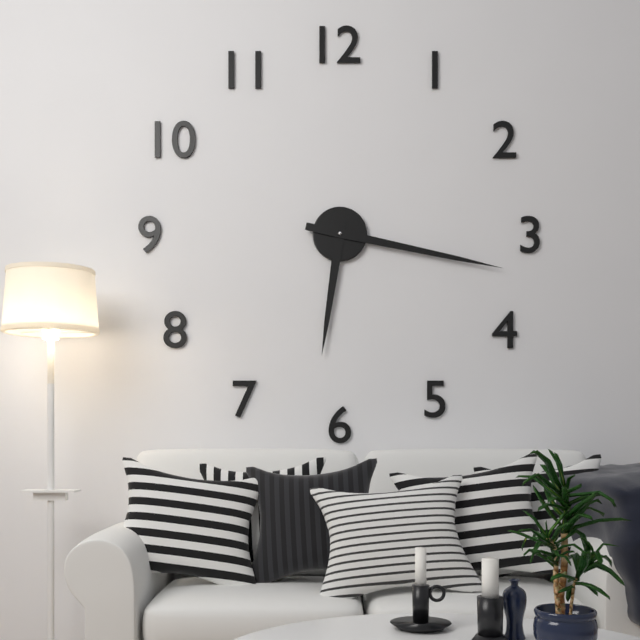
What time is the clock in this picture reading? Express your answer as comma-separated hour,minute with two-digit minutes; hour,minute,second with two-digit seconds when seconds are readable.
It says 6,17
